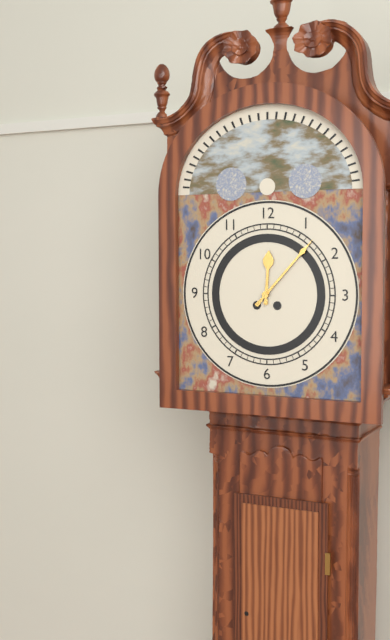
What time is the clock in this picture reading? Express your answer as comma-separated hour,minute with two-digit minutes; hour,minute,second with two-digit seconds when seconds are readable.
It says 12,07
